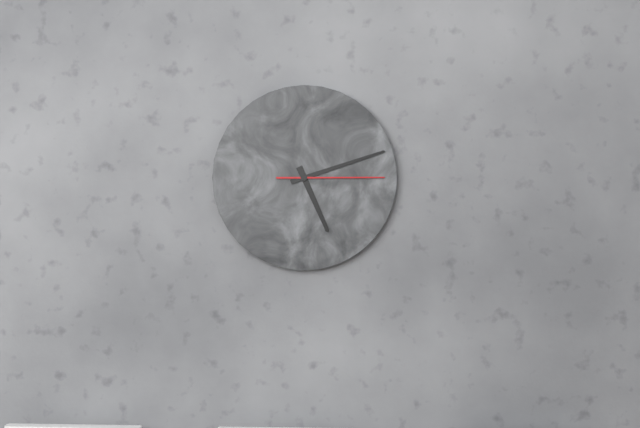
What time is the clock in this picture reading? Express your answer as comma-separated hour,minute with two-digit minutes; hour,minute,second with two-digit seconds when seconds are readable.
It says 5,12,15
